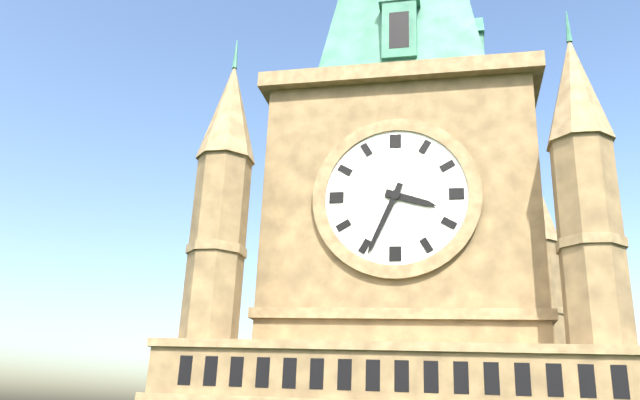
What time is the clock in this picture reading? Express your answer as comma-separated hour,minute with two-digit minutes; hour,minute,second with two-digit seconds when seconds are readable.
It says 3,34
